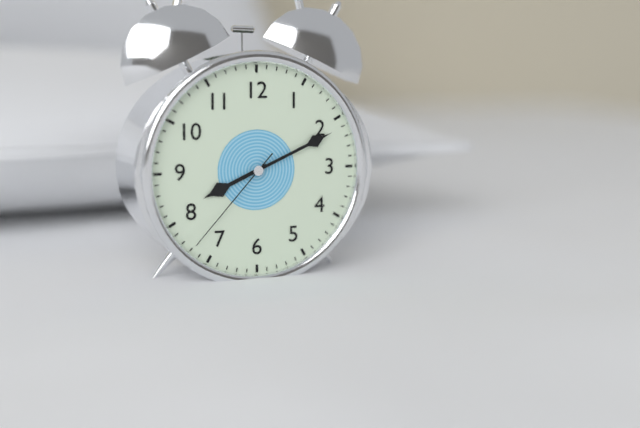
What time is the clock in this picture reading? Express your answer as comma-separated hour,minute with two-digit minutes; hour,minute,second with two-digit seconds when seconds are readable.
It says 8,11,37
